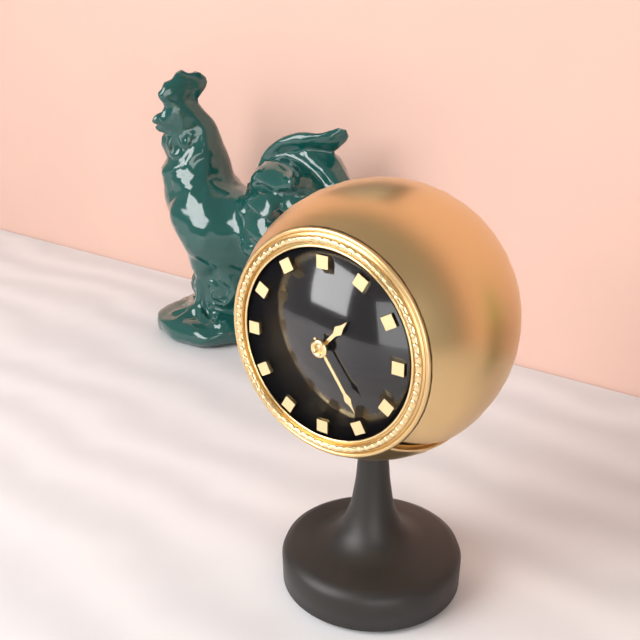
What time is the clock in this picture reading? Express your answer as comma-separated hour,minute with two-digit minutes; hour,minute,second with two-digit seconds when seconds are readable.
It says 1,24
